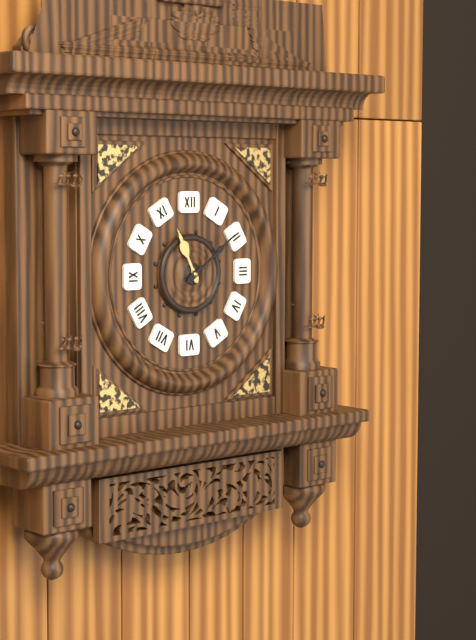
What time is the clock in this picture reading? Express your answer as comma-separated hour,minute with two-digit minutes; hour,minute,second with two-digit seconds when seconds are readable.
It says 11,09
